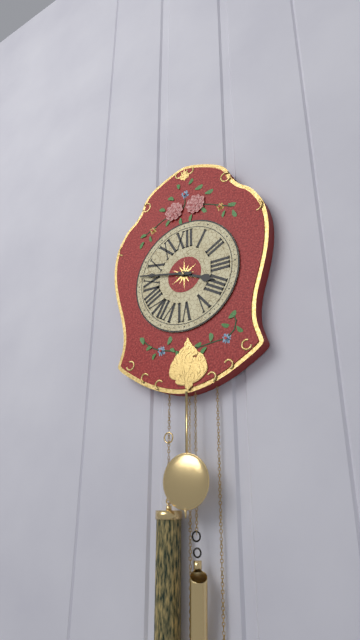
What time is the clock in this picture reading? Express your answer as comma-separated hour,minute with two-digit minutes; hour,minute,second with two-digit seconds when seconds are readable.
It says 3,47
